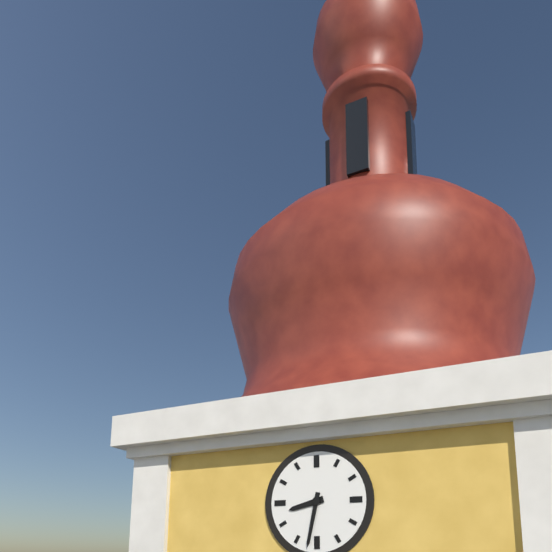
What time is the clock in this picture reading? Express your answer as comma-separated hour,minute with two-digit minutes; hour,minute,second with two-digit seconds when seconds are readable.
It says 8,32
